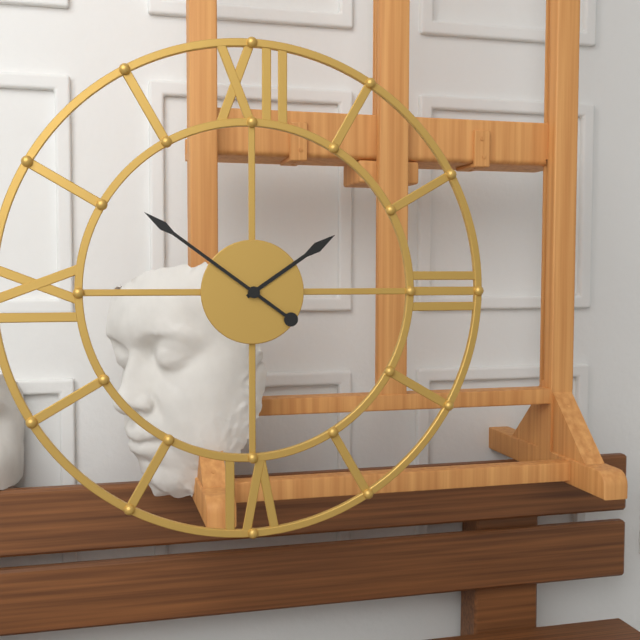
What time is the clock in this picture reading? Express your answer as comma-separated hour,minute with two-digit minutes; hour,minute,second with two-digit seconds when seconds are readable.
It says 1,51
